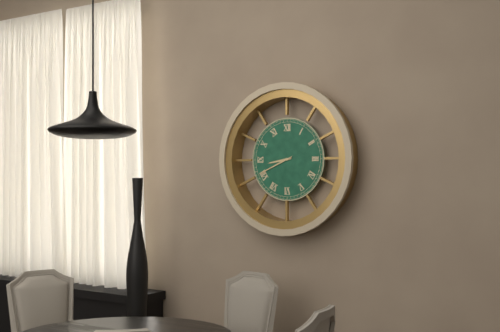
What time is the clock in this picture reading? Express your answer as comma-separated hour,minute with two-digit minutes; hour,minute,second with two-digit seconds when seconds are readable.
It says 8,41
